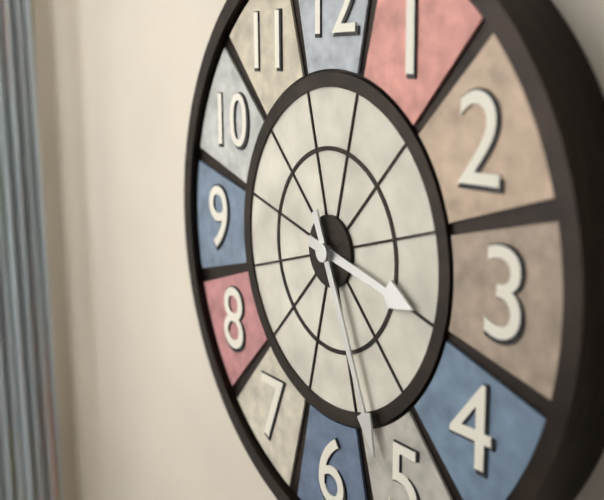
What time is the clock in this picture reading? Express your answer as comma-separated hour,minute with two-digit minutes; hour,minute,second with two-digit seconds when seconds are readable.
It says 3,26
